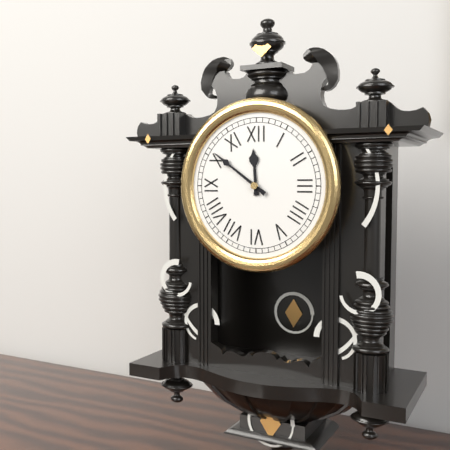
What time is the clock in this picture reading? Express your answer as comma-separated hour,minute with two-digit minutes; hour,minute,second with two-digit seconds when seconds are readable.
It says 11,51
